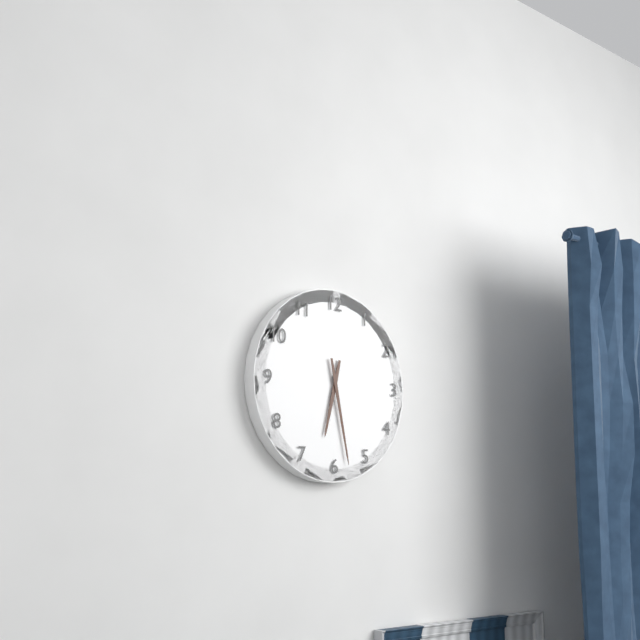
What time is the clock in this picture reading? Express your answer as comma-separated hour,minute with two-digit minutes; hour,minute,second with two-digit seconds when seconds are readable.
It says 6,28
